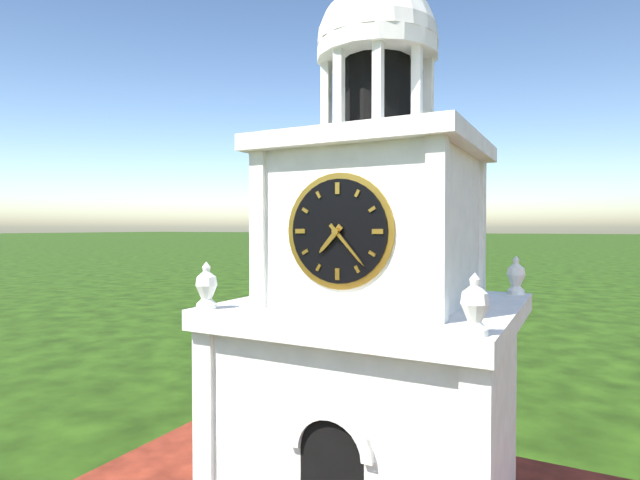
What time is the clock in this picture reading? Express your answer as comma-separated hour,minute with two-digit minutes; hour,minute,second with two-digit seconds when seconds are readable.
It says 7,23
